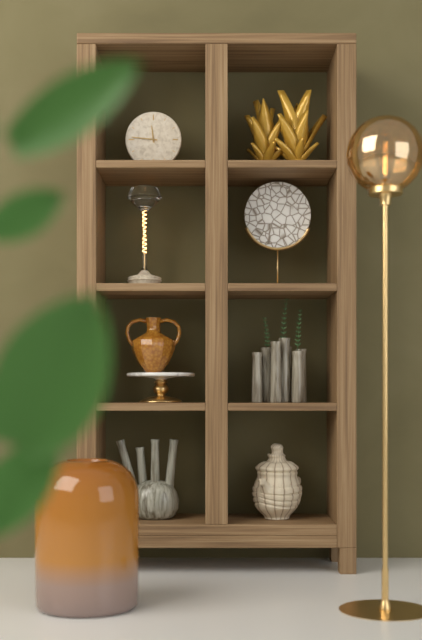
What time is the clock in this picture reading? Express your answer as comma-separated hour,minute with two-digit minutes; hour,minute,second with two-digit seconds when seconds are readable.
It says 11,46
